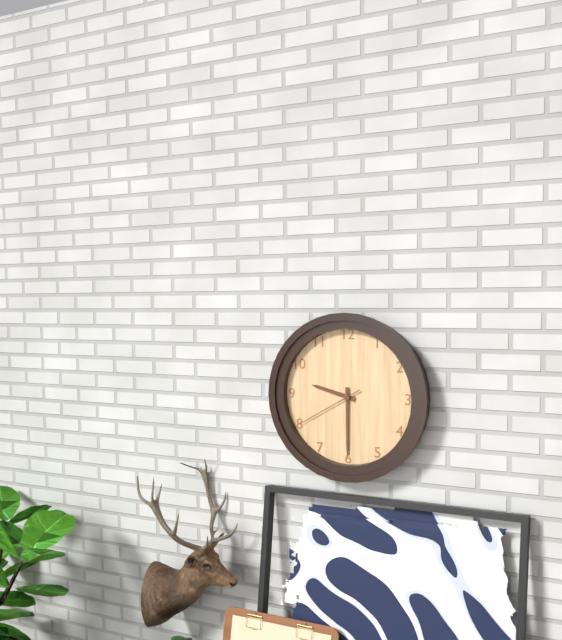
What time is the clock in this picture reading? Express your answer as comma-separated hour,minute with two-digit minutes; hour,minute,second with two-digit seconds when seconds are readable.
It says 9,30,40
